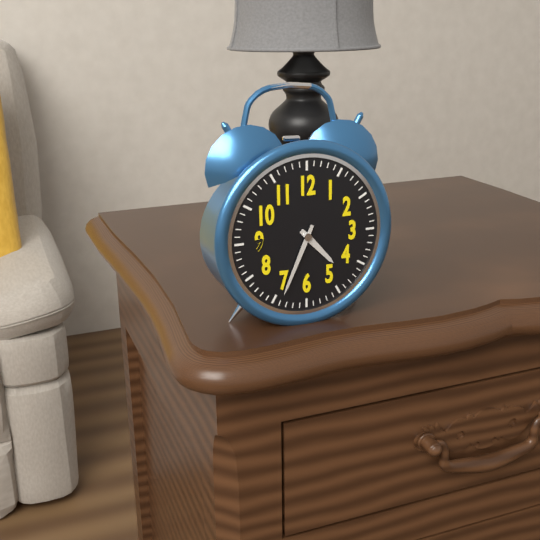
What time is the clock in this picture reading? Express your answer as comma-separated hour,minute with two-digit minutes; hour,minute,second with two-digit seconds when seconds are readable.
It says 4,34
